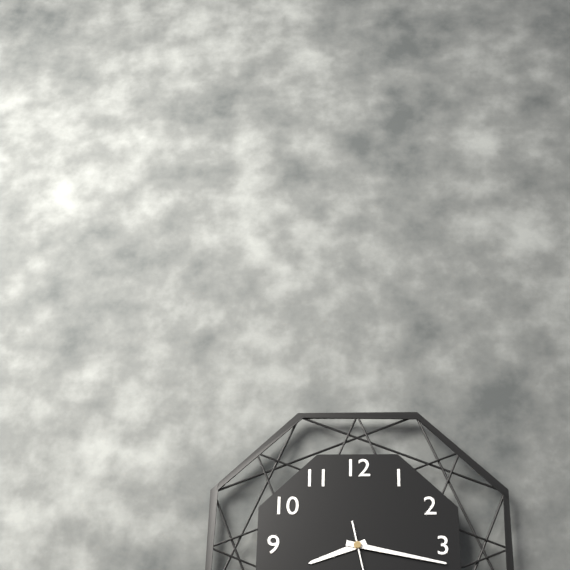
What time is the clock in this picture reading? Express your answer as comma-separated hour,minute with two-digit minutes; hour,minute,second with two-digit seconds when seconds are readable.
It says 8,17
